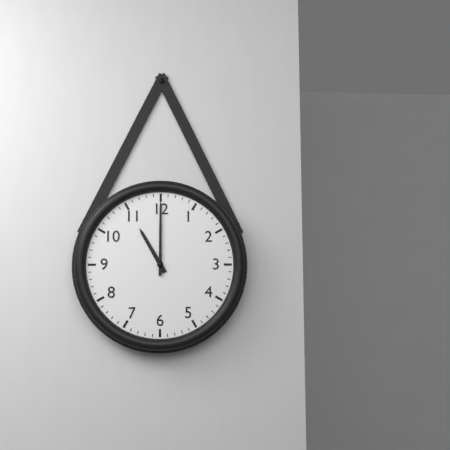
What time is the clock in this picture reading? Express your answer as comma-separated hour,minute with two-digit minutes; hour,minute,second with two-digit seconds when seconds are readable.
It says 11,00
